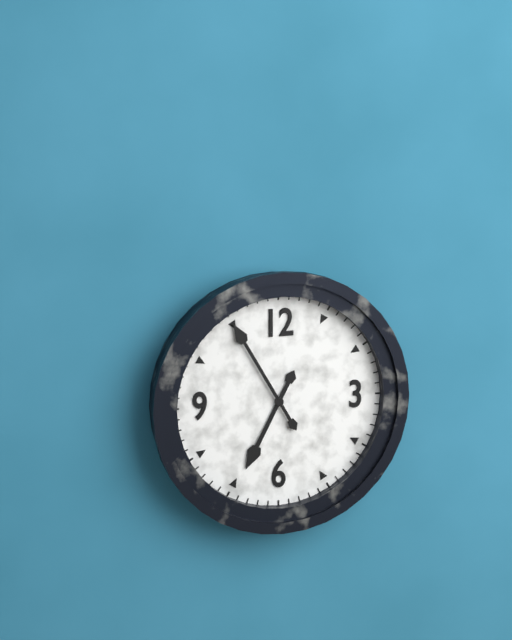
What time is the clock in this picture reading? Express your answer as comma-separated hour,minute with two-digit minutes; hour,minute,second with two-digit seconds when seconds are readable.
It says 6,55
